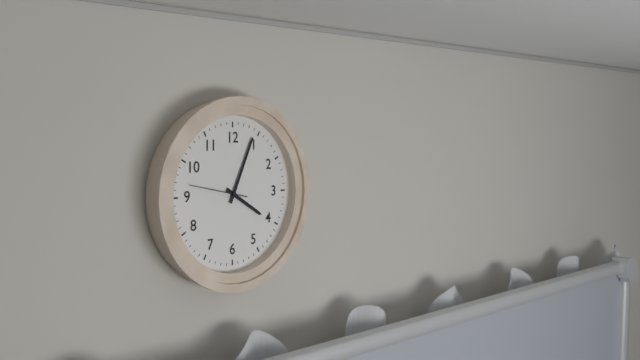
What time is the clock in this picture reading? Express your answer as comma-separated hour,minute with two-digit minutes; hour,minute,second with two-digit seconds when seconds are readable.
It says 4,04,47
